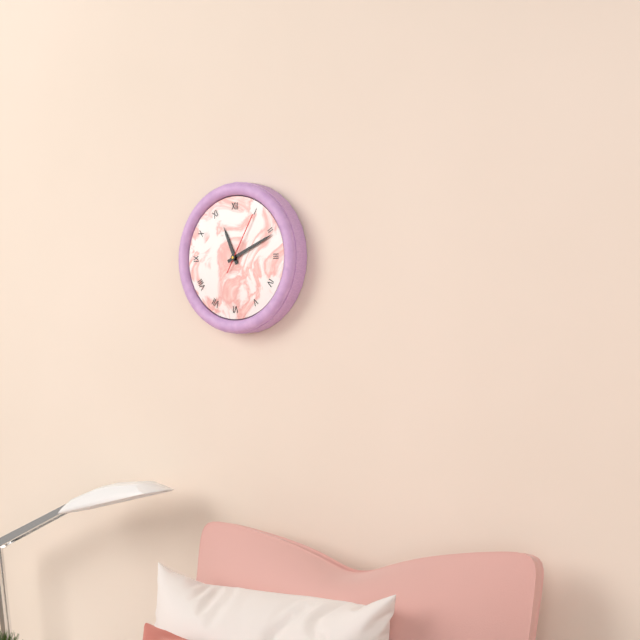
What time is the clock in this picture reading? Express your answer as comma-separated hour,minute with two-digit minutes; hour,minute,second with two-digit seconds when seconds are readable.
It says 11,11,05
